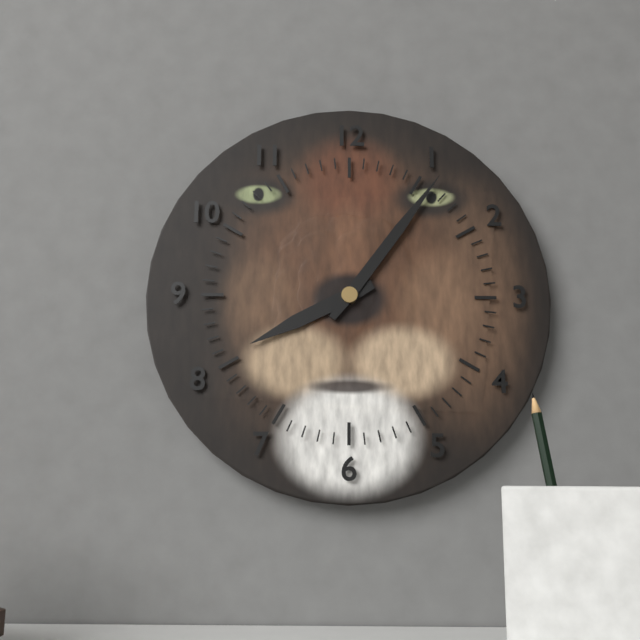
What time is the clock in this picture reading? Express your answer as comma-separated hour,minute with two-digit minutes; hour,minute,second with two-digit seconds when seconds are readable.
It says 8,06
